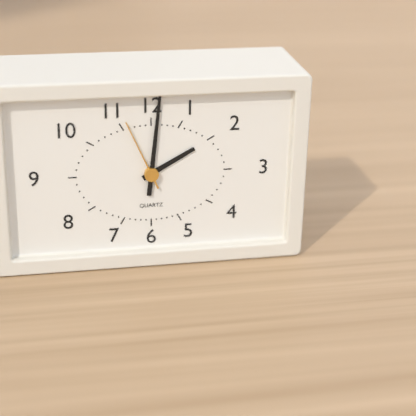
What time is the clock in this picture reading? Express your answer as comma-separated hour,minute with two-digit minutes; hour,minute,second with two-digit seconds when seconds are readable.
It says 2,01,56
